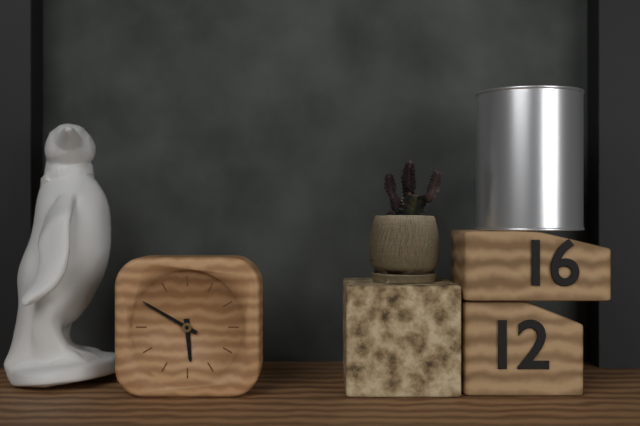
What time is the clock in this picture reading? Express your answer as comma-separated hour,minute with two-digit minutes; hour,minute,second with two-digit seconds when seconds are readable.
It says 5,50
